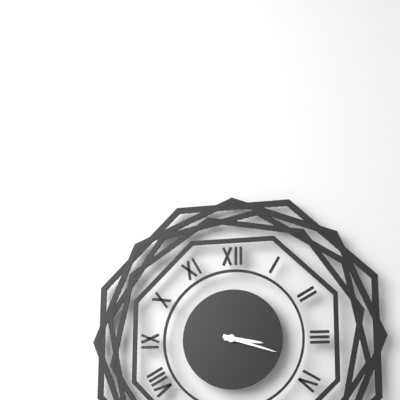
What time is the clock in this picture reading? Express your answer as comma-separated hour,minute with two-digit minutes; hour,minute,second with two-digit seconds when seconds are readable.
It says 3,18
